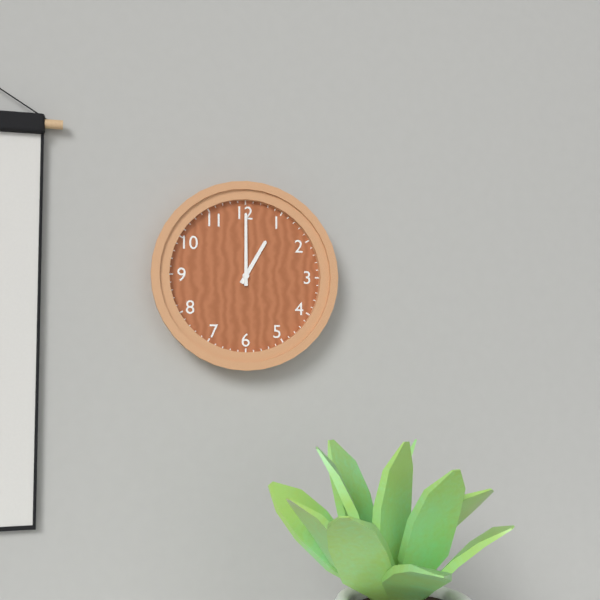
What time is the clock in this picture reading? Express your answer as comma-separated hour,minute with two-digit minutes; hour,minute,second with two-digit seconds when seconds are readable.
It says 1,00
